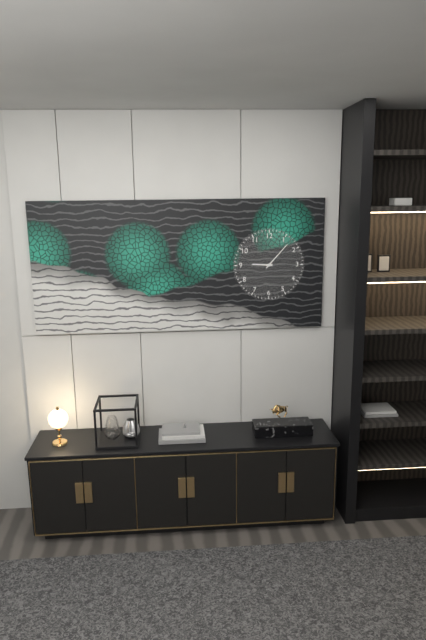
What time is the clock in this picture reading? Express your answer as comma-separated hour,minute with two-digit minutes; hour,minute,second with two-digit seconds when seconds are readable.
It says 9,07
